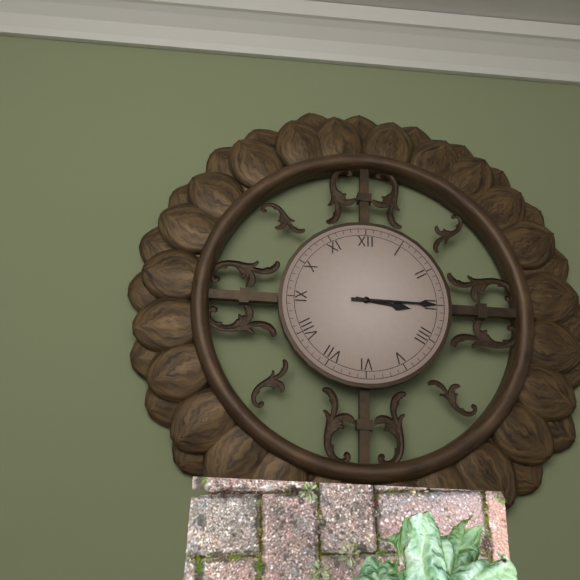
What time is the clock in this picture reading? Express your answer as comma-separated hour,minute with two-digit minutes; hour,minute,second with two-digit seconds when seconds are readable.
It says 3,15
